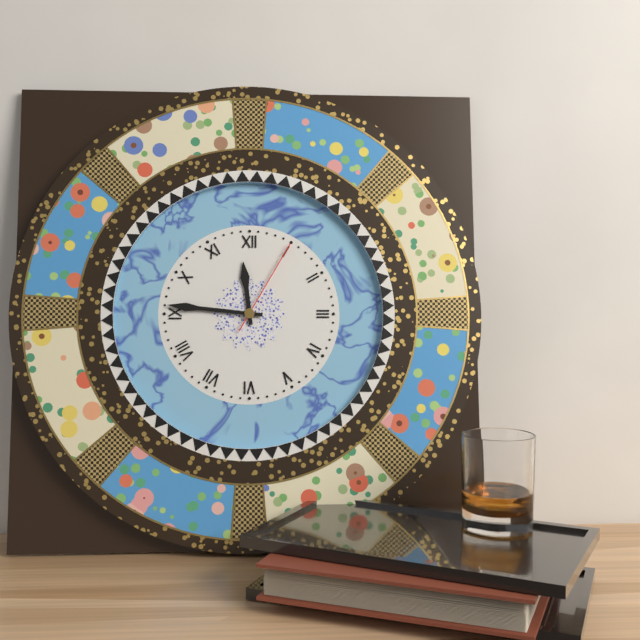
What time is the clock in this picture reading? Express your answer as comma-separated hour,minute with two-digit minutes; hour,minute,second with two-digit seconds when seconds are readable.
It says 11,46,05
